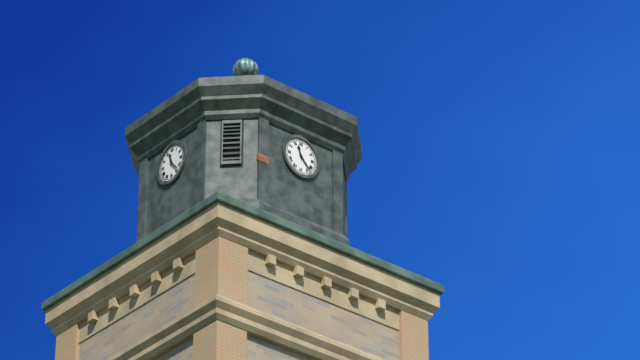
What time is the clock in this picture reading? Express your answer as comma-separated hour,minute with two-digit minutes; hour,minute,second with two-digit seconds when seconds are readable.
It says 11,23
